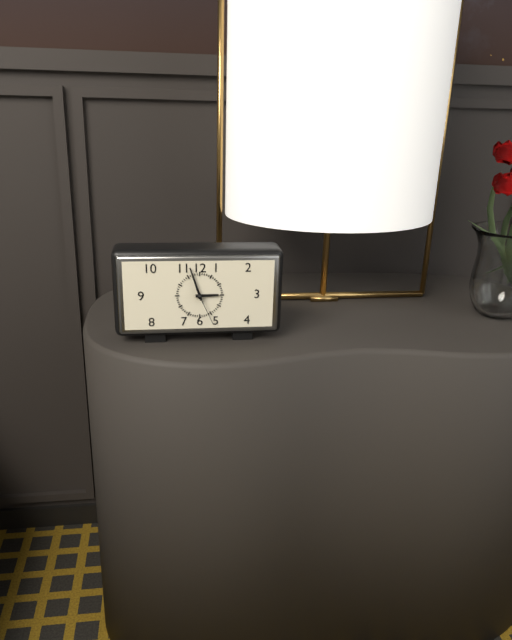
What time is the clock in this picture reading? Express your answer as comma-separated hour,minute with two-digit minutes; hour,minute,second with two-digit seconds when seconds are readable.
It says 2,57
